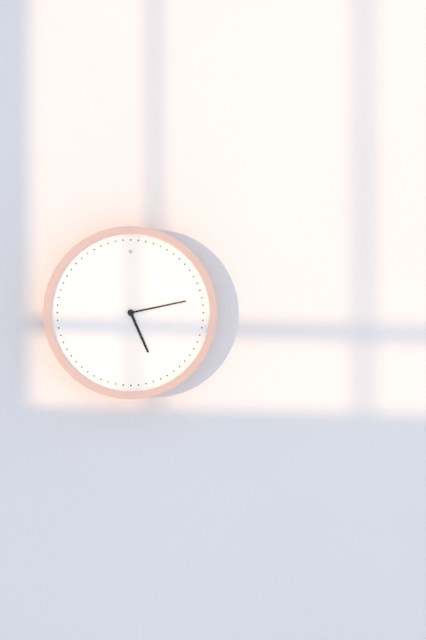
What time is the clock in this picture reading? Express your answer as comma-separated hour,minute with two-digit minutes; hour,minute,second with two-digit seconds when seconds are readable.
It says 5,13
